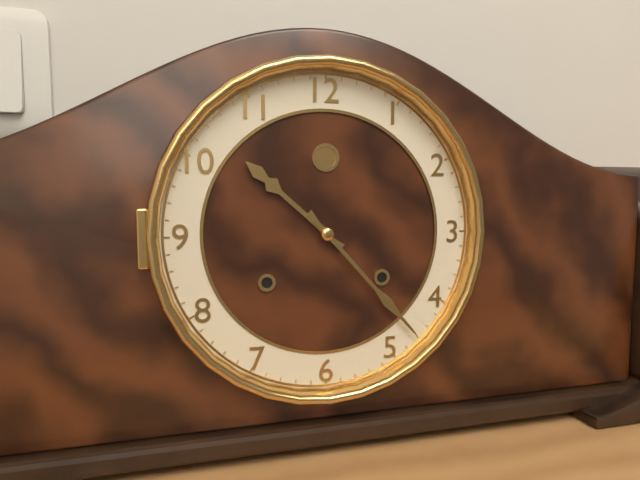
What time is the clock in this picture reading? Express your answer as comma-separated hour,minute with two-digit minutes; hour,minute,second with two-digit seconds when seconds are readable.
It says 10,23
